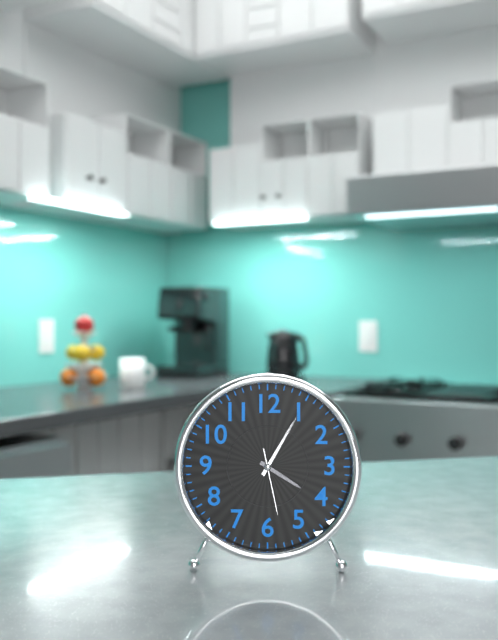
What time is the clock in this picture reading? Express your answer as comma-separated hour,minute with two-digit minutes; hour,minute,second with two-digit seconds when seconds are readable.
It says 4,05,28
